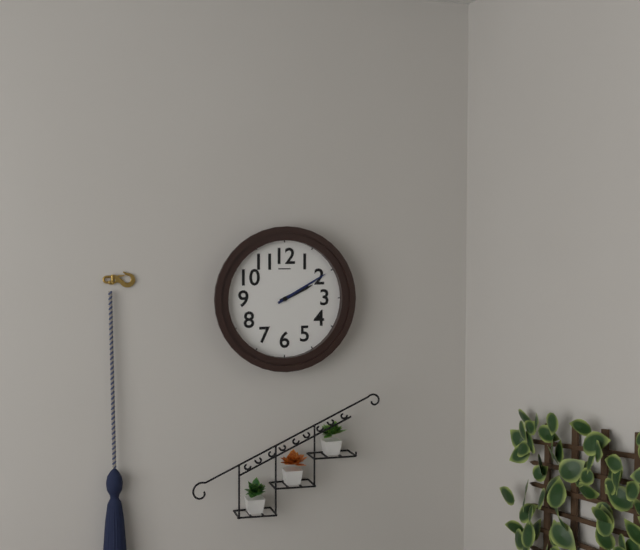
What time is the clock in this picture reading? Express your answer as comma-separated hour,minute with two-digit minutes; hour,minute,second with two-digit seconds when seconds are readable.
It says 2,10
